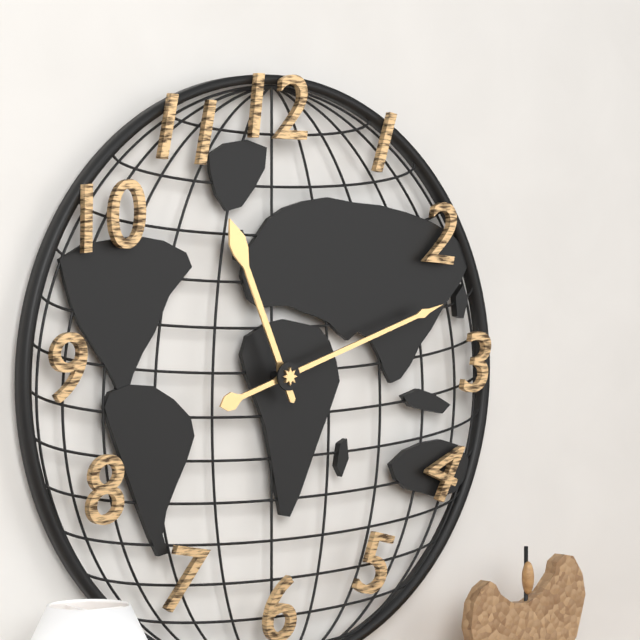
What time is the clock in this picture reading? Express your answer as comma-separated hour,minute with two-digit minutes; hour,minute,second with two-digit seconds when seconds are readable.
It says 11,12
